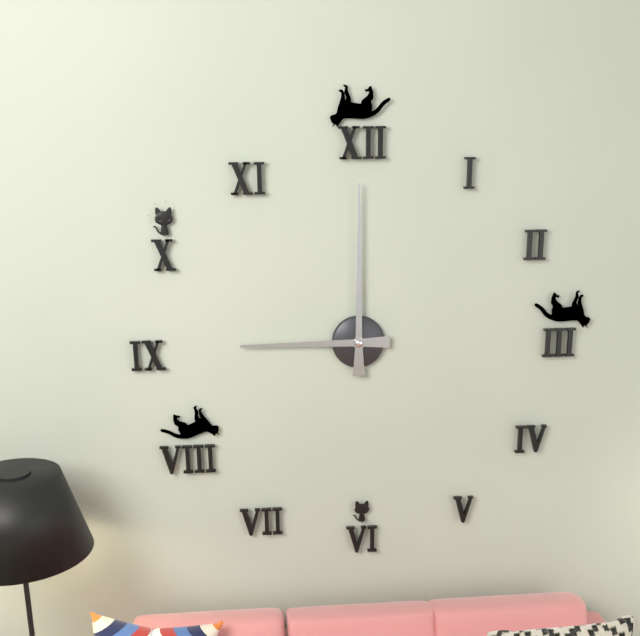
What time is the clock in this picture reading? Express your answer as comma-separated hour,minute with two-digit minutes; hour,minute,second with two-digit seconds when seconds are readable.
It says 9,00
